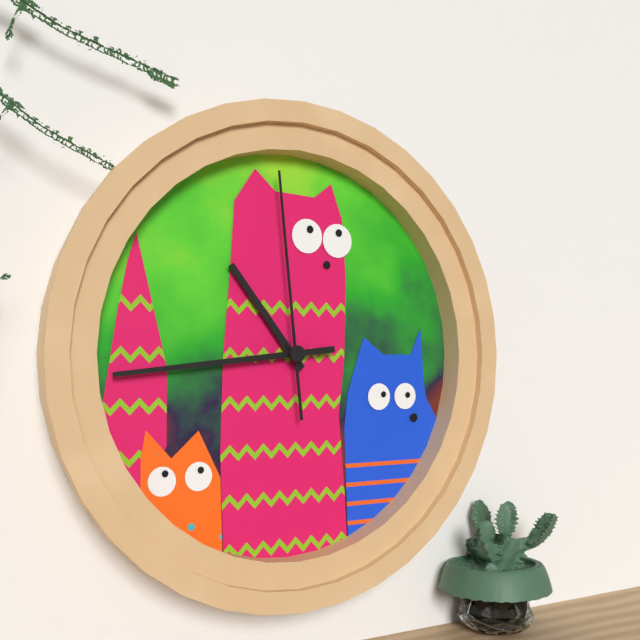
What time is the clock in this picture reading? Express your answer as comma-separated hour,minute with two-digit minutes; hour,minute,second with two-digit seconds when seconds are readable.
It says 10,44,59
